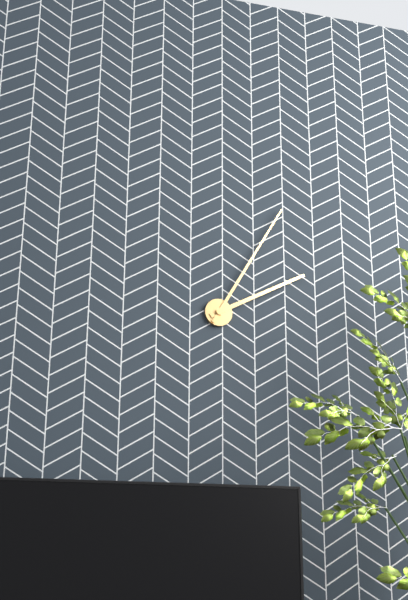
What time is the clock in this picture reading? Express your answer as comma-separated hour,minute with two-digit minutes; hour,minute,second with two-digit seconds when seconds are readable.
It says 2,05
